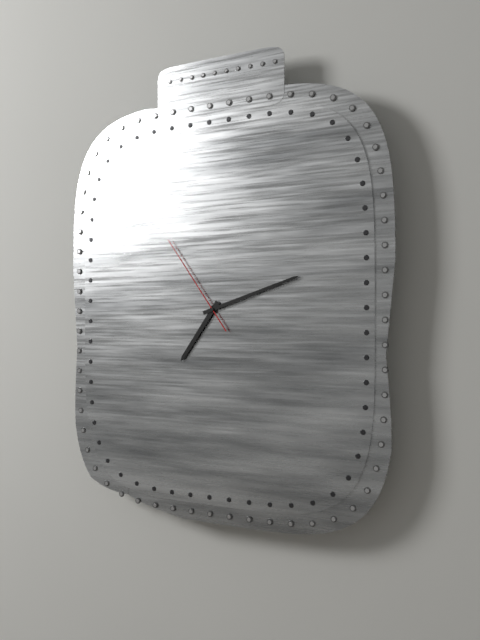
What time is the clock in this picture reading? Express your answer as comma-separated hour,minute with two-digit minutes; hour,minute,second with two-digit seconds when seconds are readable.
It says 7,12,54
